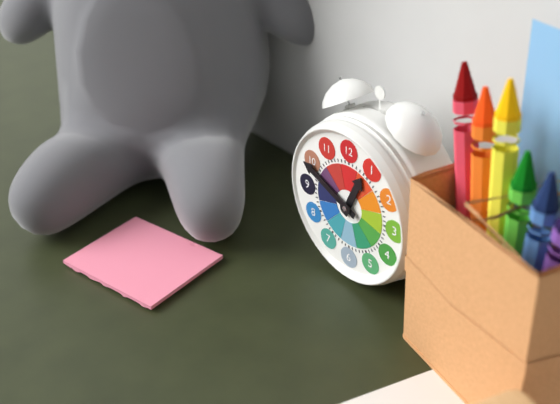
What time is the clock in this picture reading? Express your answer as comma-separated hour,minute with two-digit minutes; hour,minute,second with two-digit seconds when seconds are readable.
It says 12,49
